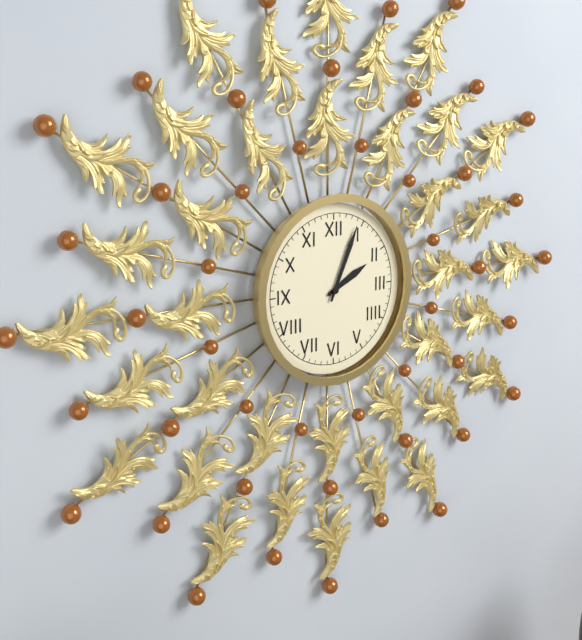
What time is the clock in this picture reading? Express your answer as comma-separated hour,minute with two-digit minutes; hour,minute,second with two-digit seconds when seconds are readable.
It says 2,04
